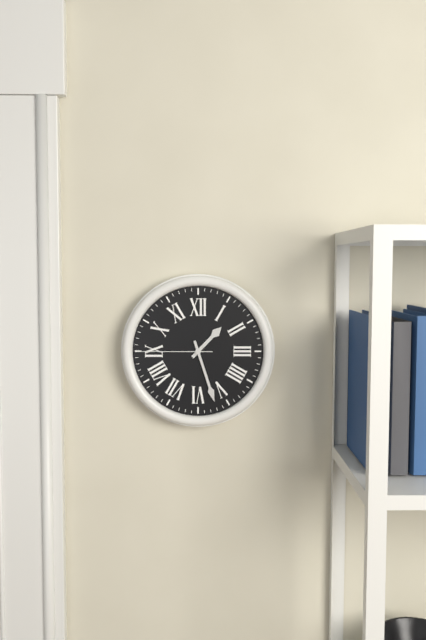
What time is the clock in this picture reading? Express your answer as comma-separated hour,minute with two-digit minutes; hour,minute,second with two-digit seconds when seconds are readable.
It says 1,27,45
